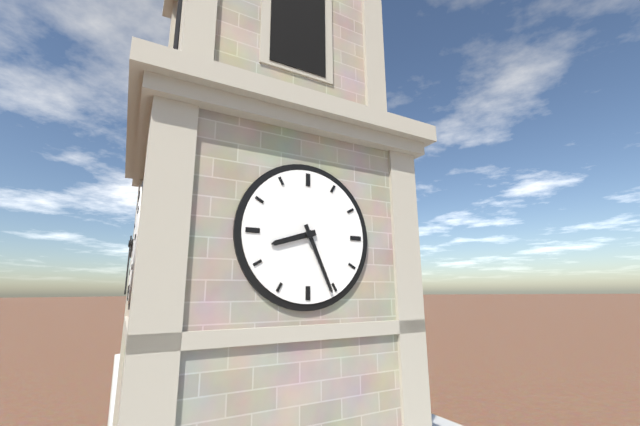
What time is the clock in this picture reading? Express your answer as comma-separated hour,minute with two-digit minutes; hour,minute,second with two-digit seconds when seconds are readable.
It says 8,26
